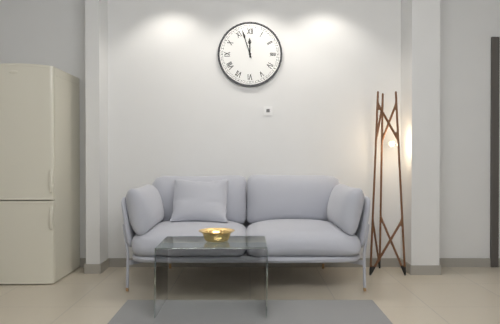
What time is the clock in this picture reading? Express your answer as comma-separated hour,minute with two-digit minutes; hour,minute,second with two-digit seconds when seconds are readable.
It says 11,57
